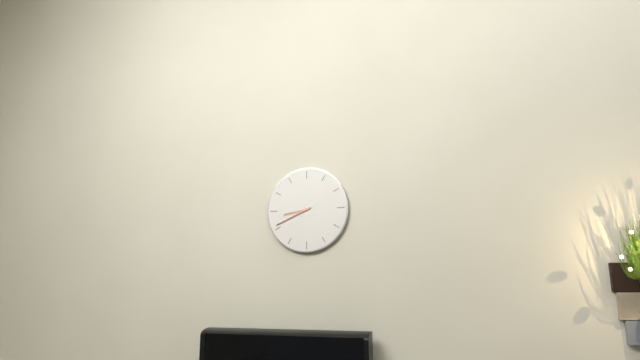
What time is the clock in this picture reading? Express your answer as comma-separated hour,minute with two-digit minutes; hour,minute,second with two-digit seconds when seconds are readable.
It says 8,41
